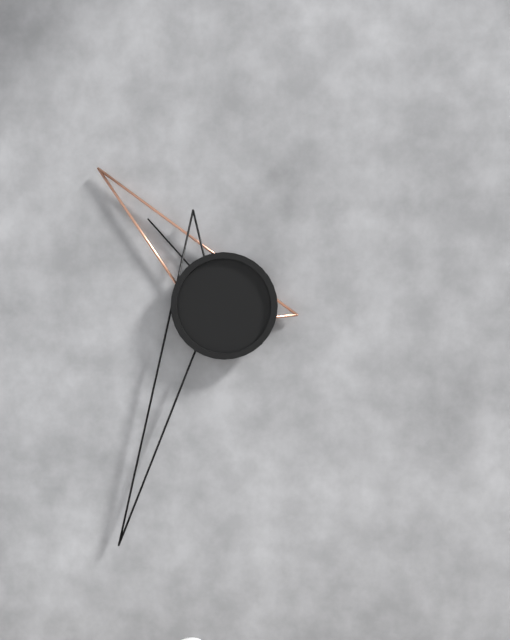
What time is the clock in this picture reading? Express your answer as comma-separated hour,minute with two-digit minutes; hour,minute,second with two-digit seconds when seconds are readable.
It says 10,34,53
